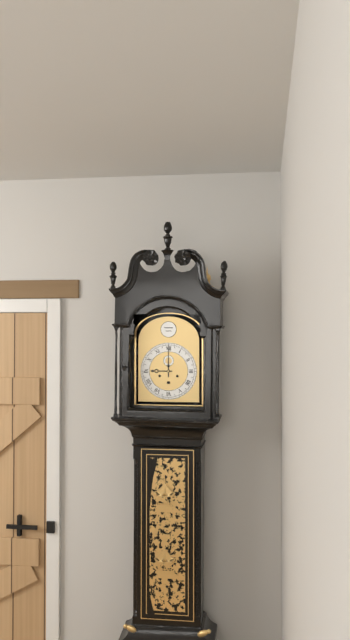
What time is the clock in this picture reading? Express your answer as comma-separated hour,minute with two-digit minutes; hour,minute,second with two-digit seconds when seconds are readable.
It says 9,00
